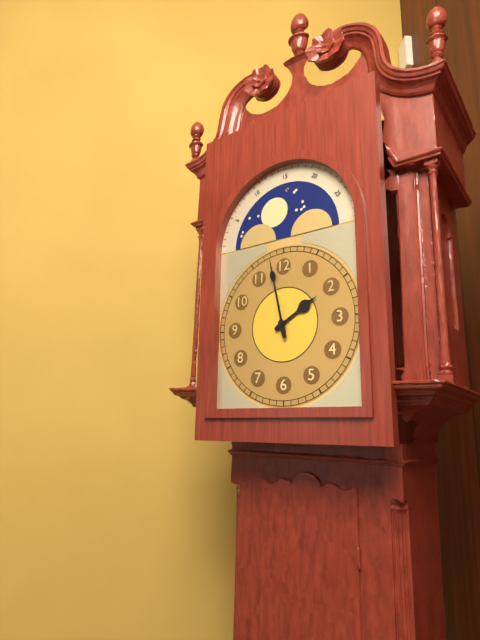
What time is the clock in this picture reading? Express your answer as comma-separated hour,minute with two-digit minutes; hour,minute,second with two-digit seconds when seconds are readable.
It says 1,58
